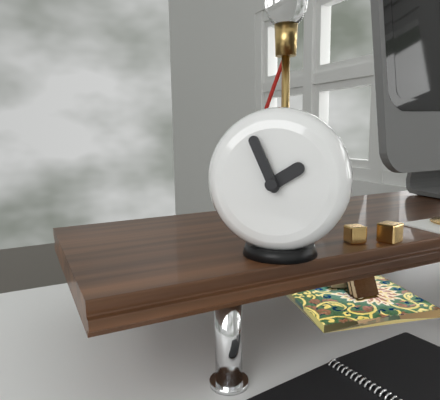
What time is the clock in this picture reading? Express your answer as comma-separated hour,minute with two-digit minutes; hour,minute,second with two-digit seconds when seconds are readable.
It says 1,56
